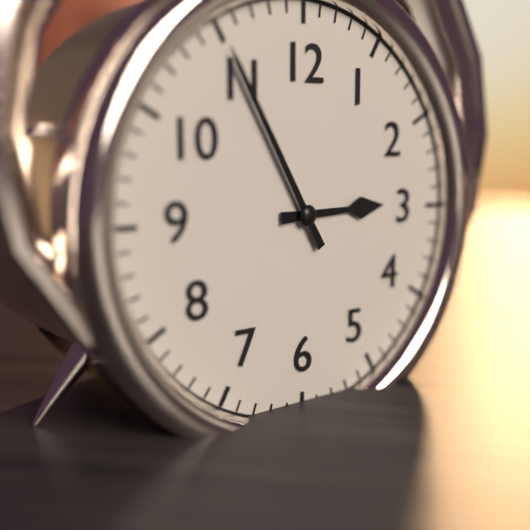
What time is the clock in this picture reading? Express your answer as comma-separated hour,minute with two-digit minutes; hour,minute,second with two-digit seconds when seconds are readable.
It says 2,55
